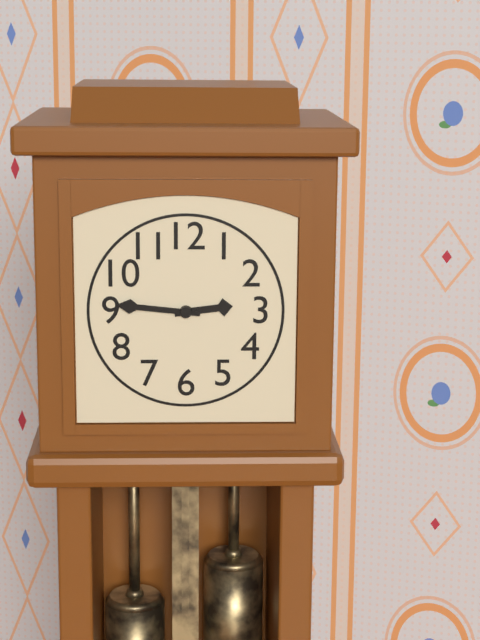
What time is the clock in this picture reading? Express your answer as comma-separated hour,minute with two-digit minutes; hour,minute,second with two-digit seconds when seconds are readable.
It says 2,46
